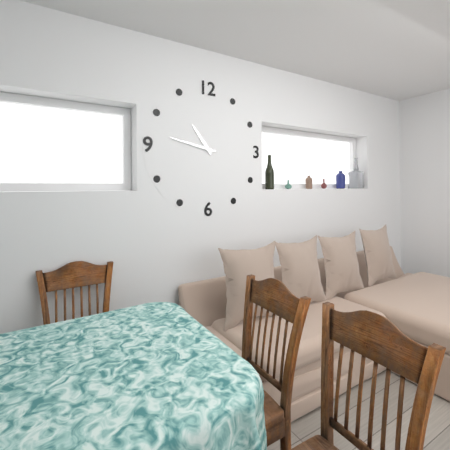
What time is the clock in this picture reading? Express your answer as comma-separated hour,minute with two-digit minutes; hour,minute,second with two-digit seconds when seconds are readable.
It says 10,47
